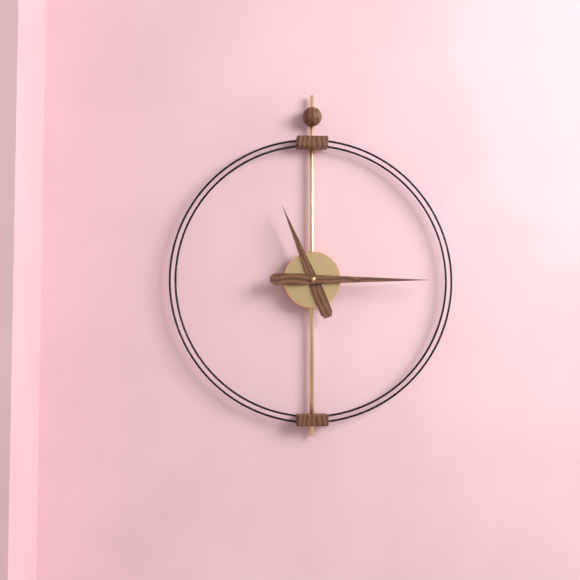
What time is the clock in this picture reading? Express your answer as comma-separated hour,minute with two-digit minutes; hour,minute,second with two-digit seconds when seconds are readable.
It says 11,15
